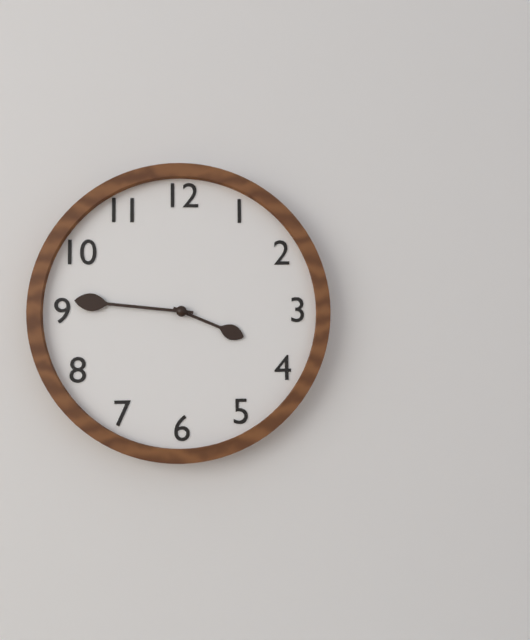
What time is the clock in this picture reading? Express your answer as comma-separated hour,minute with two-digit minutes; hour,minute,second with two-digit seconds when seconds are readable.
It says 3,46
